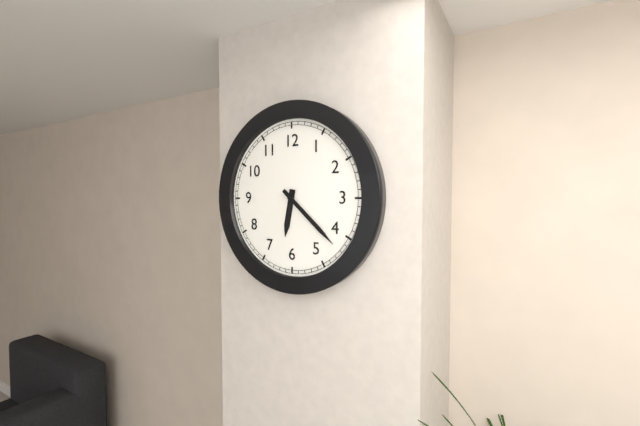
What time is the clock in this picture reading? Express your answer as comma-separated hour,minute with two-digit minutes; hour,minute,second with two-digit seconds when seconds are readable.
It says 6,22
